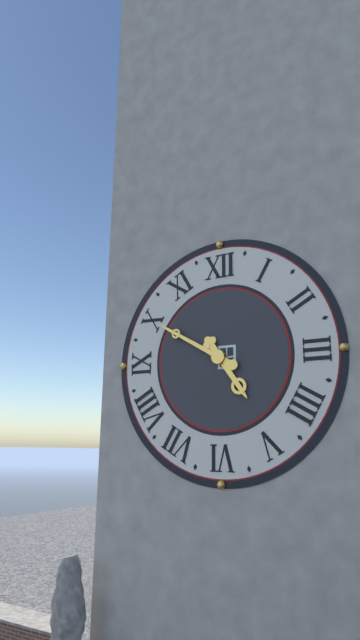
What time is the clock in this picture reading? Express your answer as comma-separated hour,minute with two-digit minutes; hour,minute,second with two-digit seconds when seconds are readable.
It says 4,50
